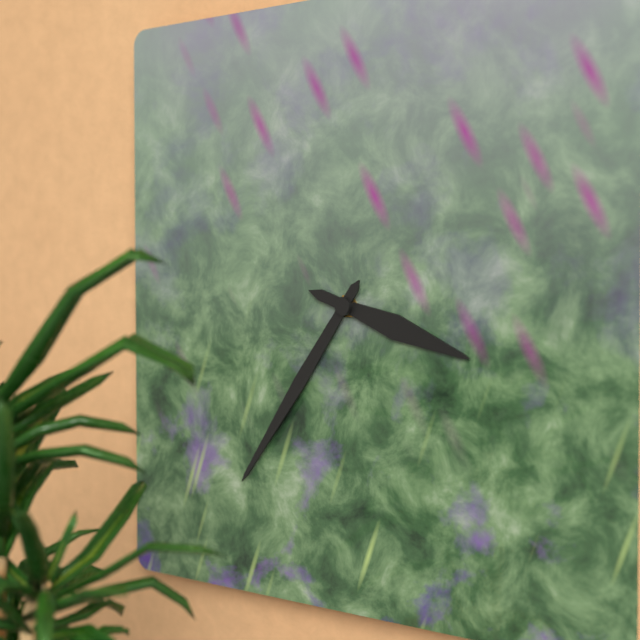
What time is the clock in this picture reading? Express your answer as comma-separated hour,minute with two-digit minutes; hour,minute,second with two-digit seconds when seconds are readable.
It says 3,36
